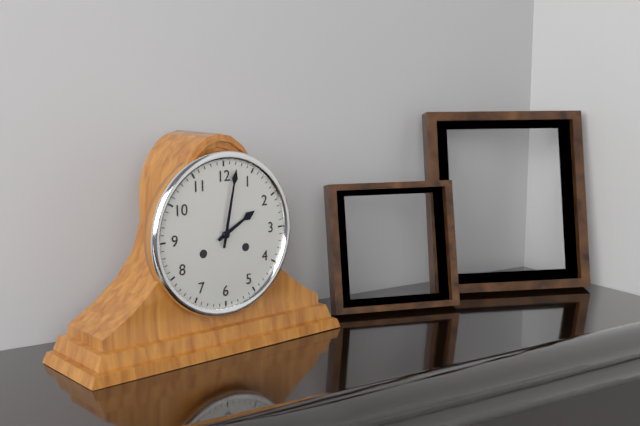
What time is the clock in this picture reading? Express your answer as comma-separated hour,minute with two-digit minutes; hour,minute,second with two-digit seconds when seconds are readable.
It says 2,02
